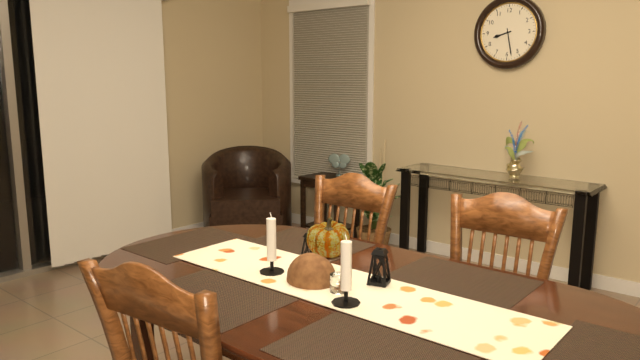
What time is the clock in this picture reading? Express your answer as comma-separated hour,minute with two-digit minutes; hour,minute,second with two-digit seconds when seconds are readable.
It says 8,28
